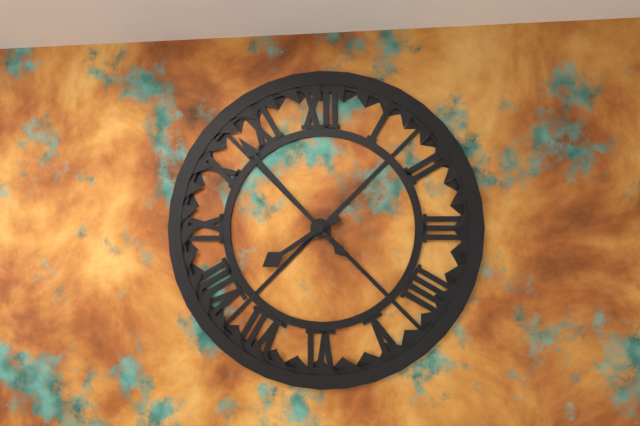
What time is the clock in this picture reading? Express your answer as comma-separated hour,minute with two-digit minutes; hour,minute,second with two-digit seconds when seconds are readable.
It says 7,53
